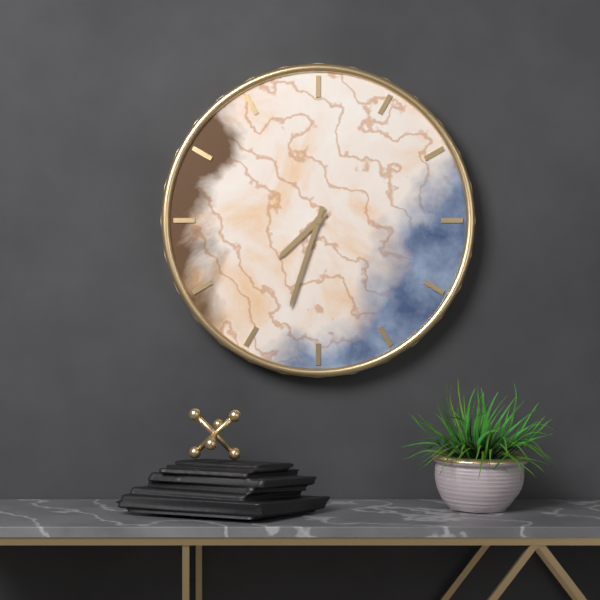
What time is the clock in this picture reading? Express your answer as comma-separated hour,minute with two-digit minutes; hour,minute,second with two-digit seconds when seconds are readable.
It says 7,33
